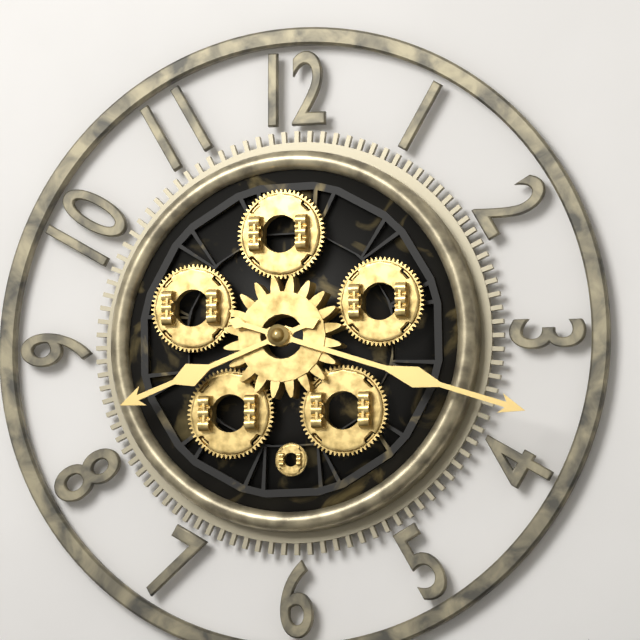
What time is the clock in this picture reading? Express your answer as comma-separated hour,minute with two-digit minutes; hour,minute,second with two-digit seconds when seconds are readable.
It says 8,18
